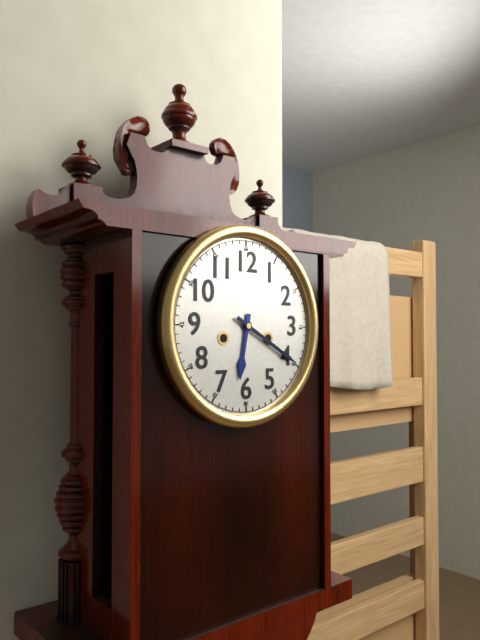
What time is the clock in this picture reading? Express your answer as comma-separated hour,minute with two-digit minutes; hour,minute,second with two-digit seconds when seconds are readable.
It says 6,20
